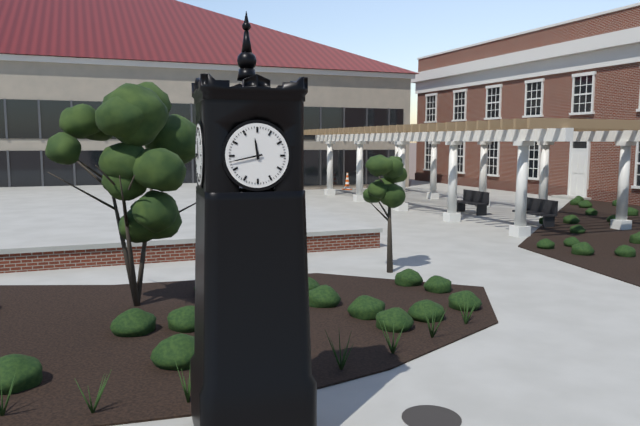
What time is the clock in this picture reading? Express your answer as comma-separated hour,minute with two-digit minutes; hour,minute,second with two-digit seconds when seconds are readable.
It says 11,43
